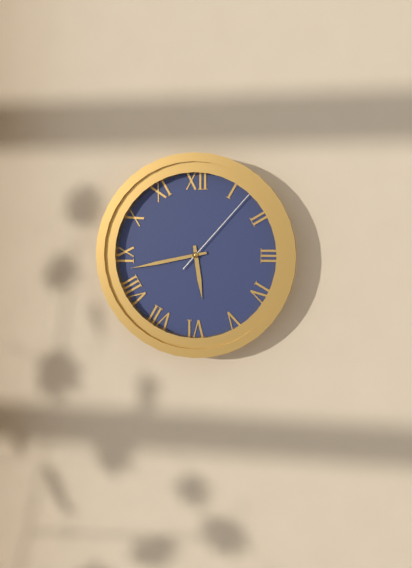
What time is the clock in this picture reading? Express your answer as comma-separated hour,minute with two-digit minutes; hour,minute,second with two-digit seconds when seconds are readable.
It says 5,43,07
